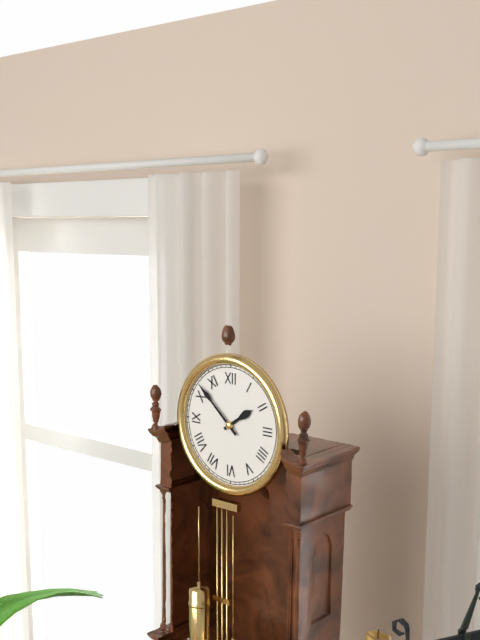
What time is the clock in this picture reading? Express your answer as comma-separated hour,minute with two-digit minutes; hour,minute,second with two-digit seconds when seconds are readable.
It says 1,52
